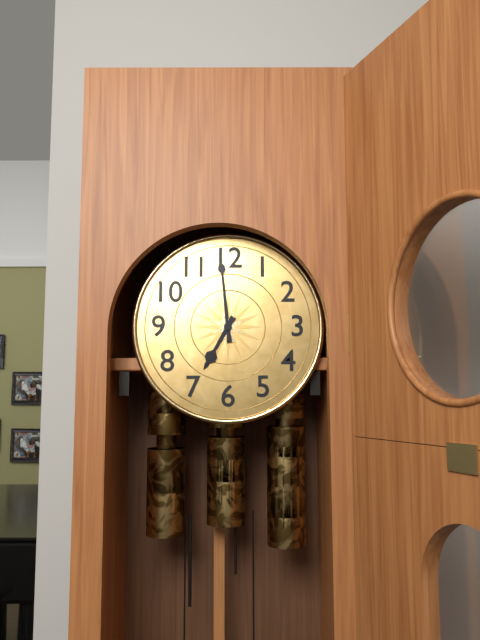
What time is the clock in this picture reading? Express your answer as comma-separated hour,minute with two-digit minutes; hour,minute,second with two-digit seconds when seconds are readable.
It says 6,59
